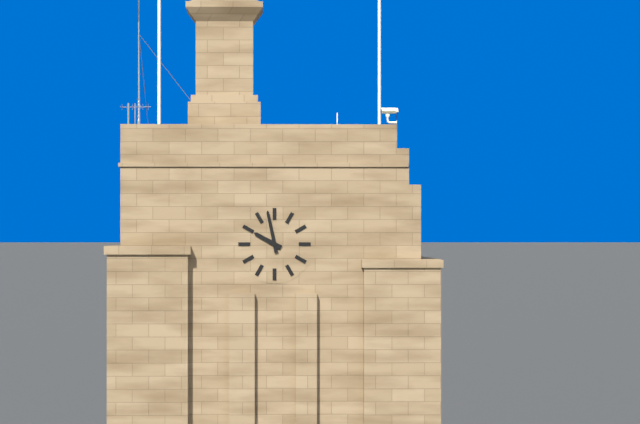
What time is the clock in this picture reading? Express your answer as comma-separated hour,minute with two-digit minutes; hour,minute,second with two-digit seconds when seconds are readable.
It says 9,58
